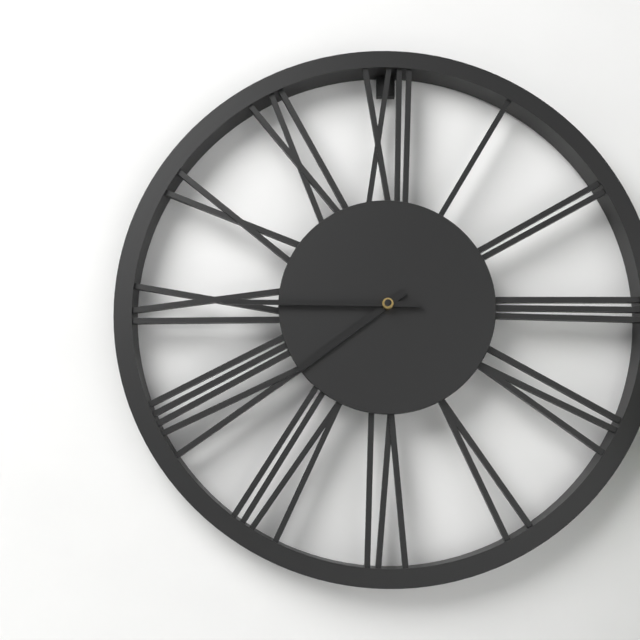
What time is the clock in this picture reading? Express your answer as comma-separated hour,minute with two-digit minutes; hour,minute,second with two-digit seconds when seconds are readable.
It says 7,45
